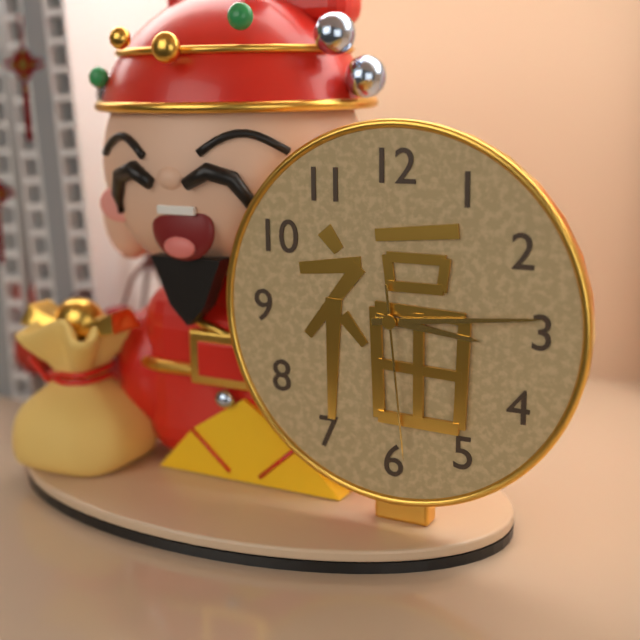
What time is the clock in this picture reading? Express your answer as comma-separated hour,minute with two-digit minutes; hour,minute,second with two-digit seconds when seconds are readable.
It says 3,14,29
